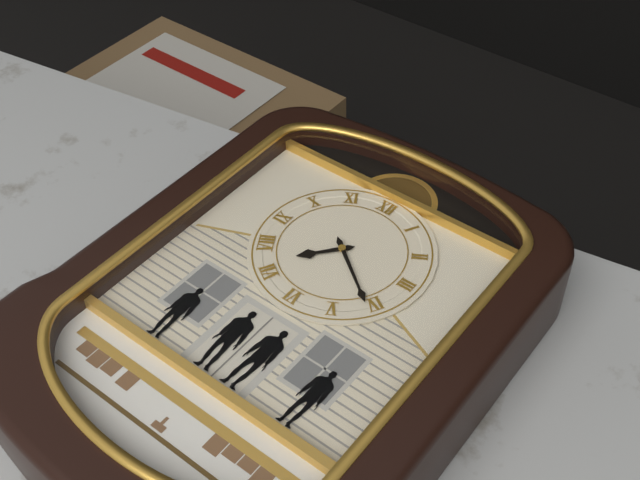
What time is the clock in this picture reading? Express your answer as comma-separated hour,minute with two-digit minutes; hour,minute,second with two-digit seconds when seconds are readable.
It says 7,21
